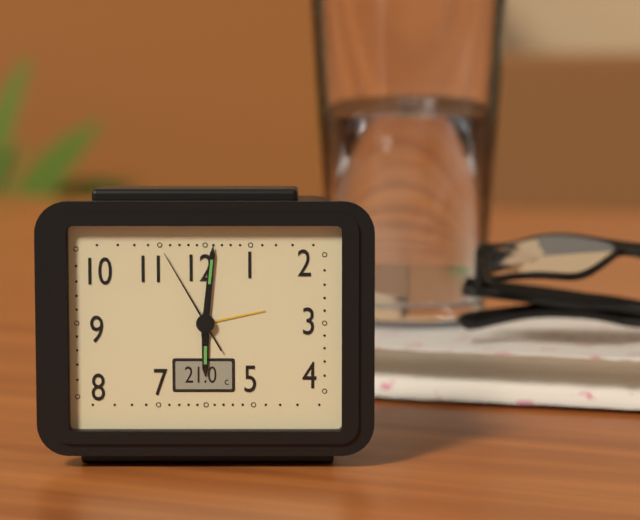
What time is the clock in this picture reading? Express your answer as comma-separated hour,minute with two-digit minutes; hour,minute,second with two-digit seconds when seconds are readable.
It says 6,01,55
